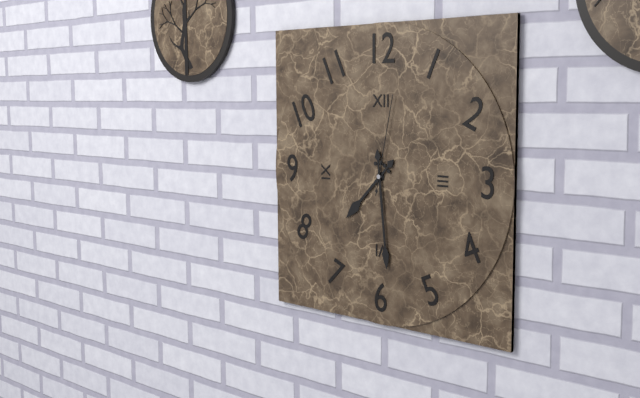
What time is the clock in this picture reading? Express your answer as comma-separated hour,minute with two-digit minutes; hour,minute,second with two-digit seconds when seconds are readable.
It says 7,29,02
